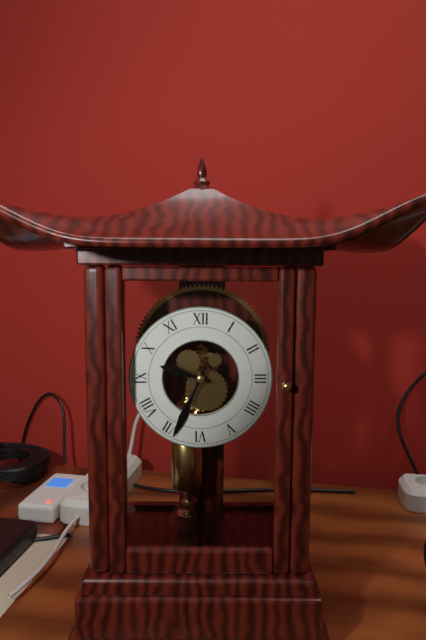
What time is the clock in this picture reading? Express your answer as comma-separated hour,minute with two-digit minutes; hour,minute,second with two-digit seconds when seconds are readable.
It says 9,34
